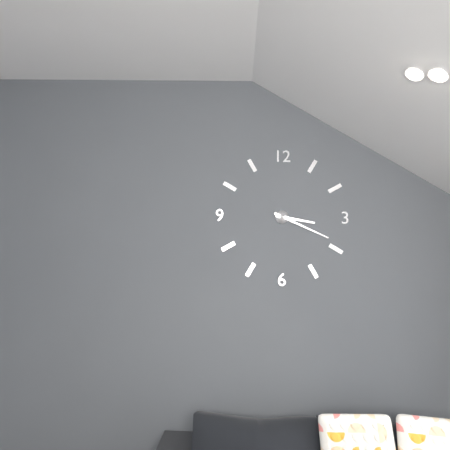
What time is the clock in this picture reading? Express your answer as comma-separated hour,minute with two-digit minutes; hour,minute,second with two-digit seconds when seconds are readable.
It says 3,19
